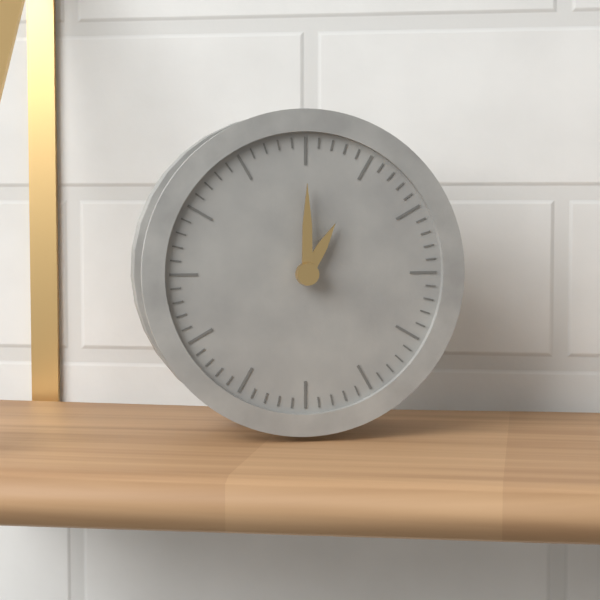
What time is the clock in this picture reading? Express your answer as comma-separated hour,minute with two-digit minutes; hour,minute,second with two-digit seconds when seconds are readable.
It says 1,00
